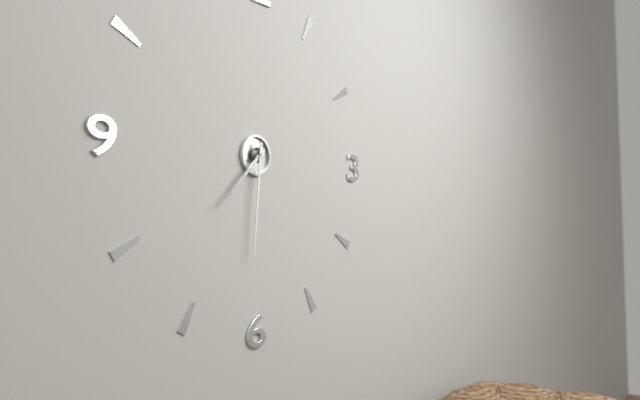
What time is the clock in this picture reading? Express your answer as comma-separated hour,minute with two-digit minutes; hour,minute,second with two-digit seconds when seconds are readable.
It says 7,31
